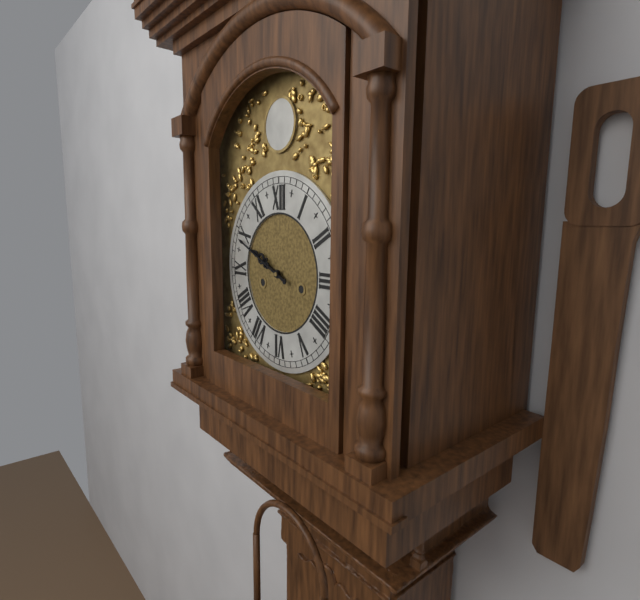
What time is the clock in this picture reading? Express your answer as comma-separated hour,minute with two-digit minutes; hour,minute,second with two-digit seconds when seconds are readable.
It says 9,49
